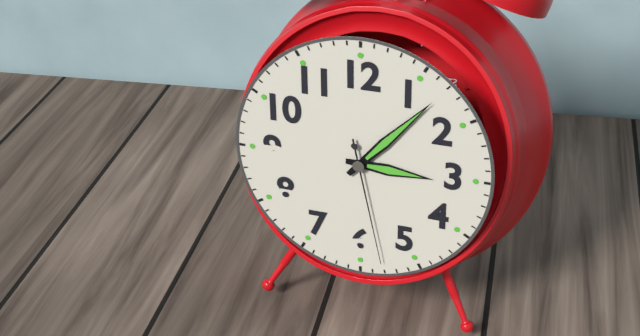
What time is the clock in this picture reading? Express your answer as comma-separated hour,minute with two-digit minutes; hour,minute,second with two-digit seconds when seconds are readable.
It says 3,07,28
